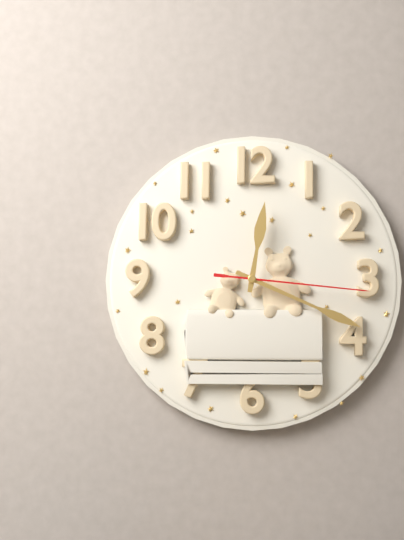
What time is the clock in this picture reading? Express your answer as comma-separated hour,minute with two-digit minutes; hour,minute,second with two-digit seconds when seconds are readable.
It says 12,19,16
